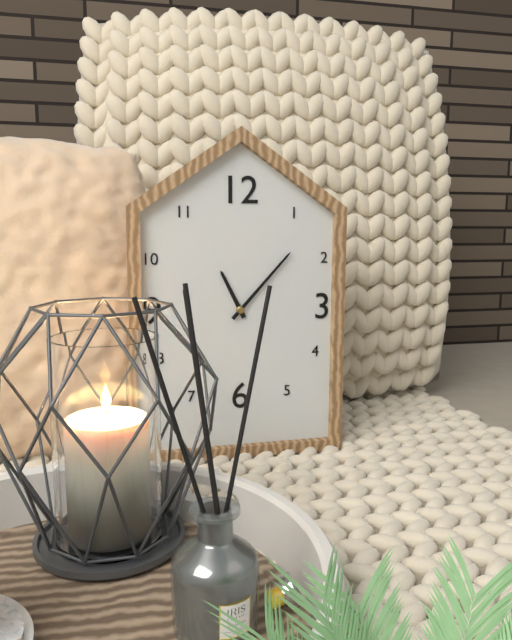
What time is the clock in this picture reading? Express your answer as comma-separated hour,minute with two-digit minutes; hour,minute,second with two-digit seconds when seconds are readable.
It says 11,07
